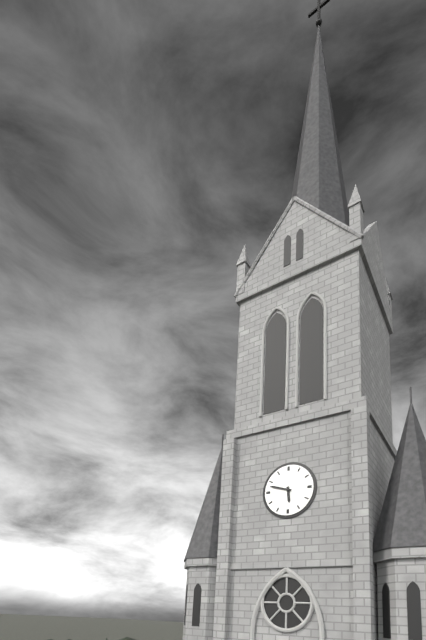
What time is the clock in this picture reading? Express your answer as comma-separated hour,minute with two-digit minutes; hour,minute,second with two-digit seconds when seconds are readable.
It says 5,48
